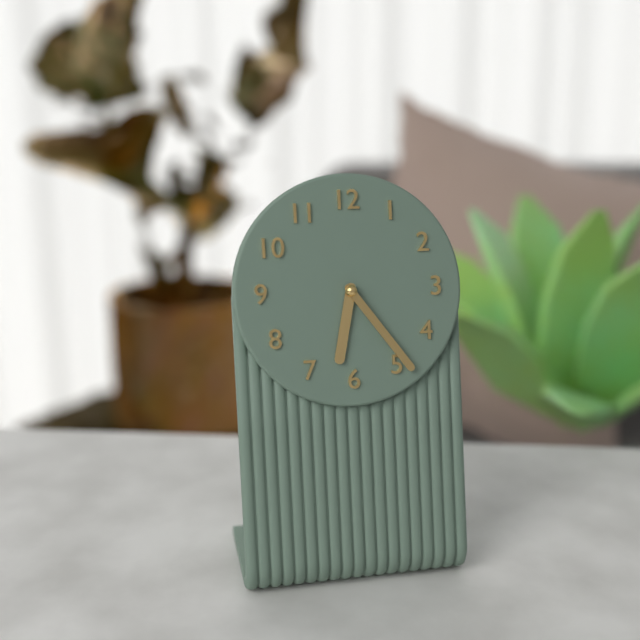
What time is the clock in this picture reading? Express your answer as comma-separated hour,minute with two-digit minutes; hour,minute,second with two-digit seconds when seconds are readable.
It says 6,24
